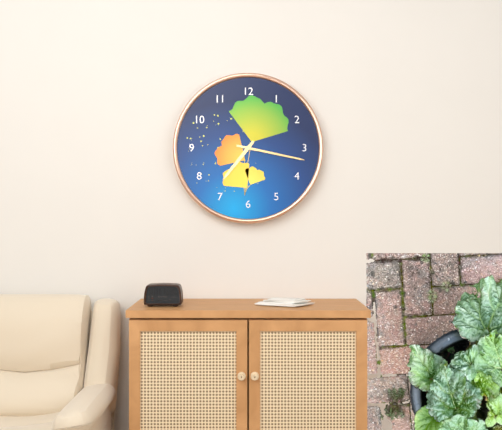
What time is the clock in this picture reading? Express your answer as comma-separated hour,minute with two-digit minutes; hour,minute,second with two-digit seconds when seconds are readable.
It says 7,17
